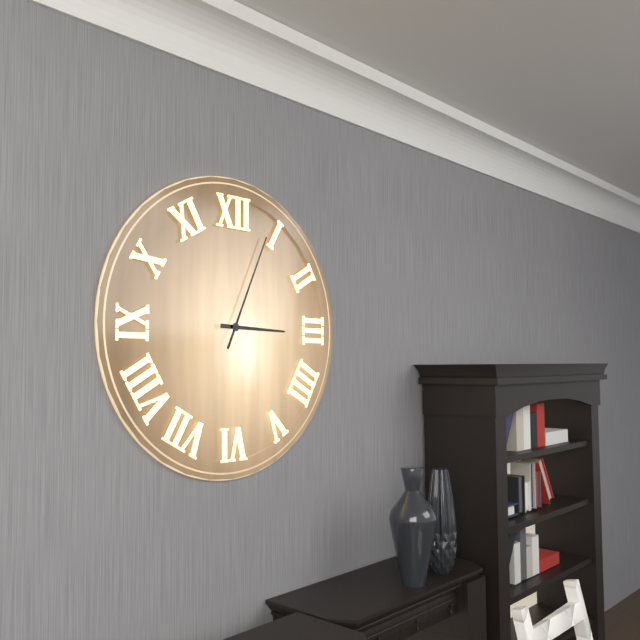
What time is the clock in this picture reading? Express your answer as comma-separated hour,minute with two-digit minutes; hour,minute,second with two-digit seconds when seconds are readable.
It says 3,04
